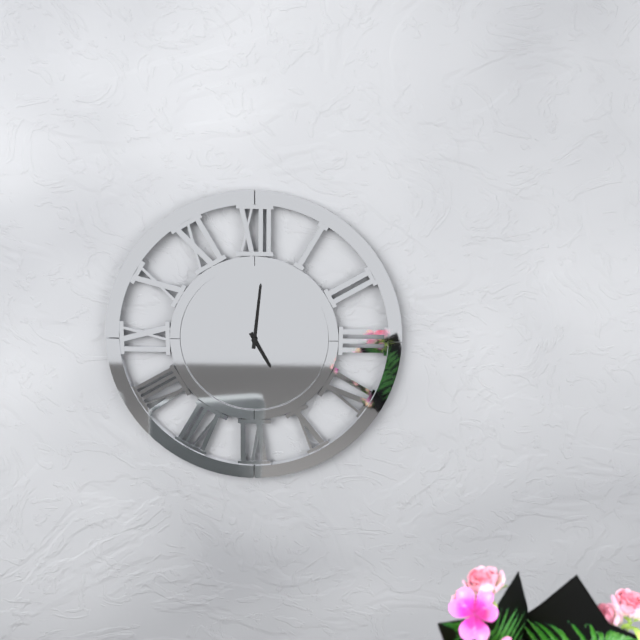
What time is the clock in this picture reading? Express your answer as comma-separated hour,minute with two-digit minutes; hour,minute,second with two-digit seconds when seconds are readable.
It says 5,01
